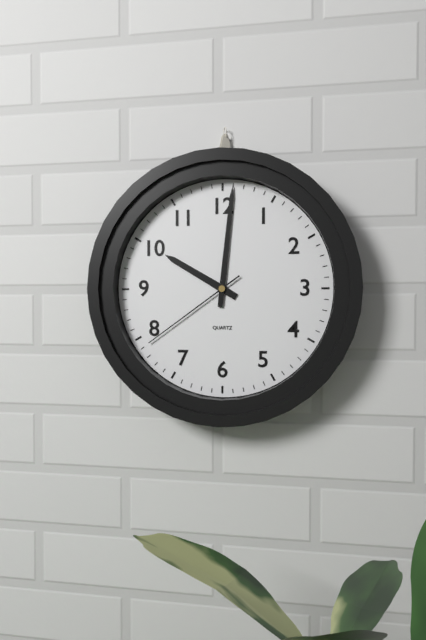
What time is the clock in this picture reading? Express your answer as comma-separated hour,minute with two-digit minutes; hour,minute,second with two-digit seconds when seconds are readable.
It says 10,01,39
